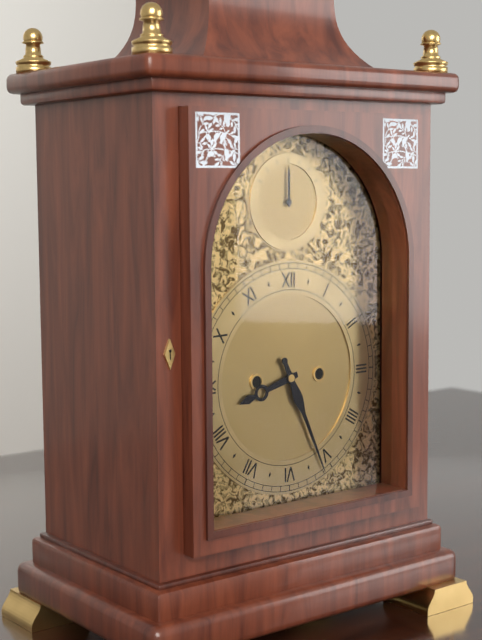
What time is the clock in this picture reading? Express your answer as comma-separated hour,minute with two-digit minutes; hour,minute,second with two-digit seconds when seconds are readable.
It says 8,26
